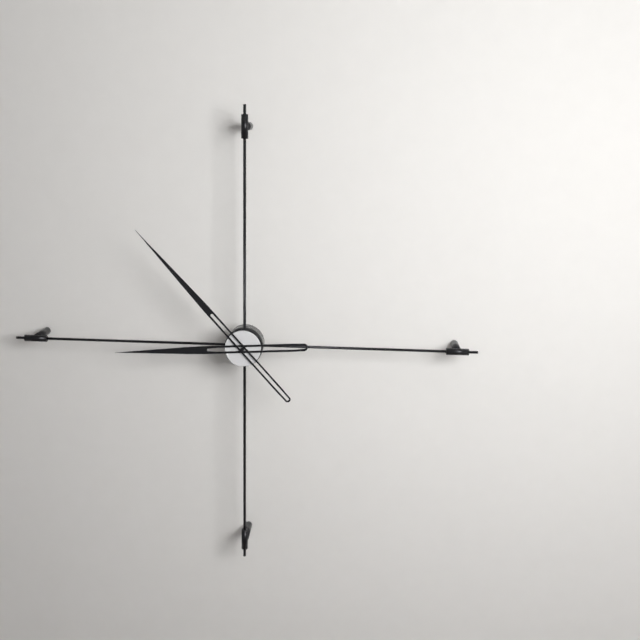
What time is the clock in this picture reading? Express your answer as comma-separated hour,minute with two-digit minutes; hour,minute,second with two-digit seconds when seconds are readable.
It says 8,53
